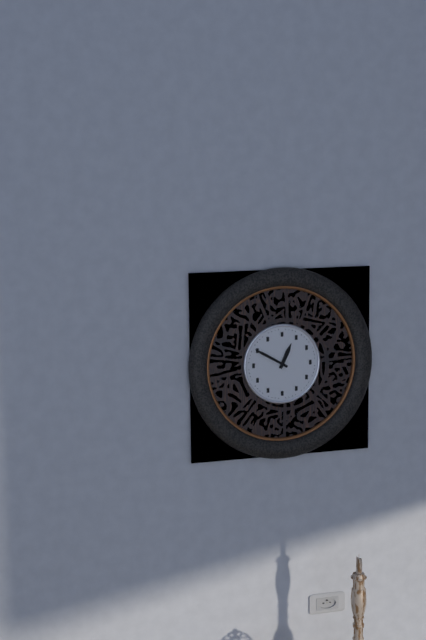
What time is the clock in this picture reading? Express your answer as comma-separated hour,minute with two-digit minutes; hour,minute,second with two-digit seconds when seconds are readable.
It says 12,50
